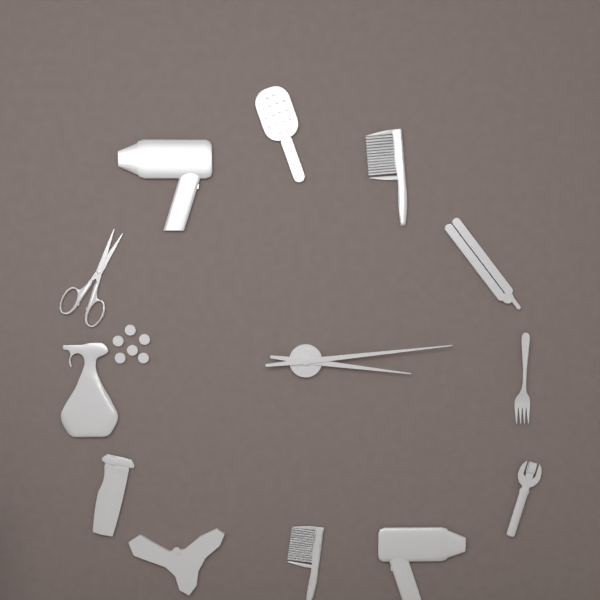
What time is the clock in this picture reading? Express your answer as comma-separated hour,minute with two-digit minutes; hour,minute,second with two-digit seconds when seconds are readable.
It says 3,14
